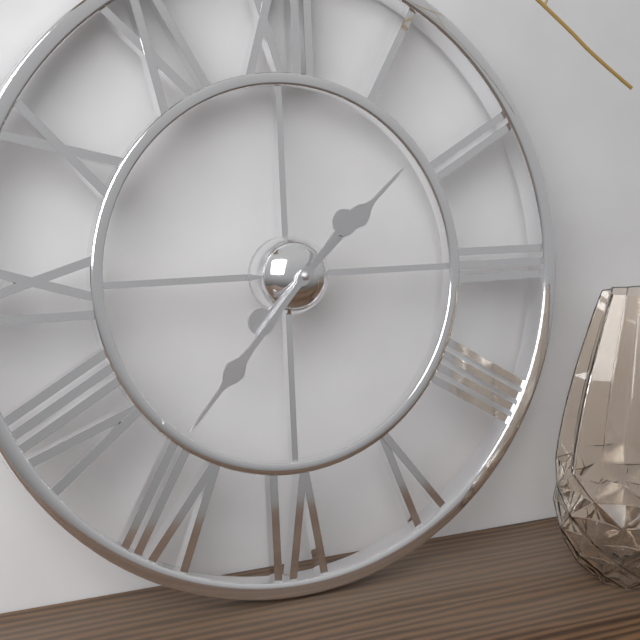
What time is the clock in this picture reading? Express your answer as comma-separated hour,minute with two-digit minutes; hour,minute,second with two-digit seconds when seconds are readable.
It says 1,37
